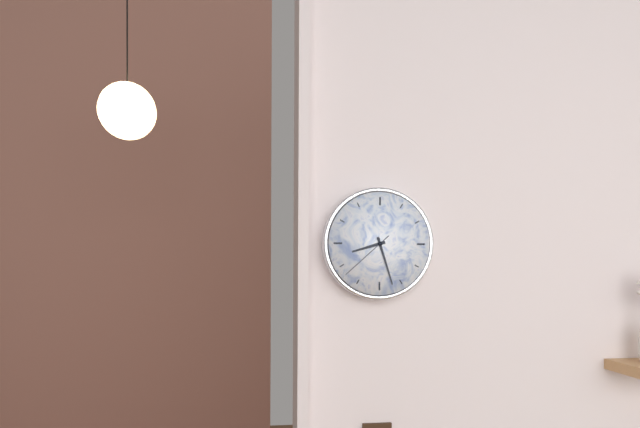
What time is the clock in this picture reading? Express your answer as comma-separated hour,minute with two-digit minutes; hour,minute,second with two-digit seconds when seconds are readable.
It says 8,27,38
